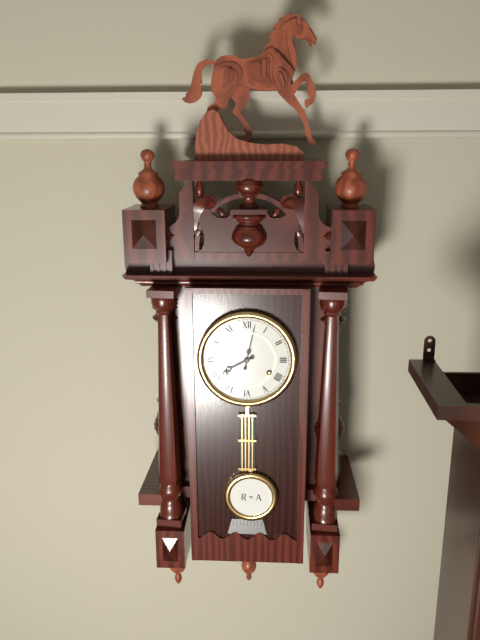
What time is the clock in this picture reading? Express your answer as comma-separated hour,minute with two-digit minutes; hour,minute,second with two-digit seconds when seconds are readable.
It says 8,02
